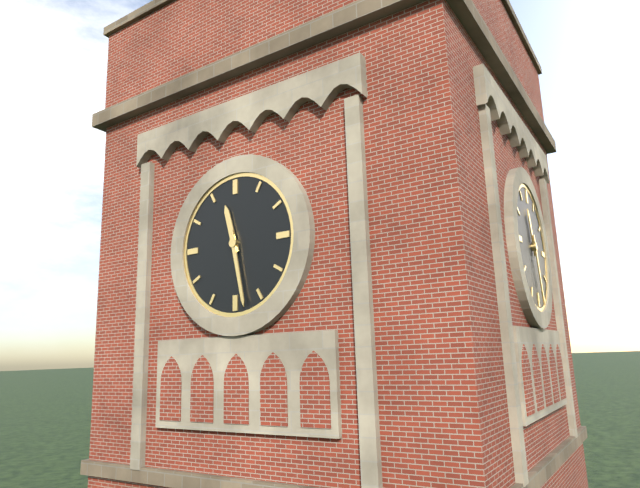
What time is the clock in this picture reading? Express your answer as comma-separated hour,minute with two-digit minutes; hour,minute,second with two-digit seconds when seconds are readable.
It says 11,28
